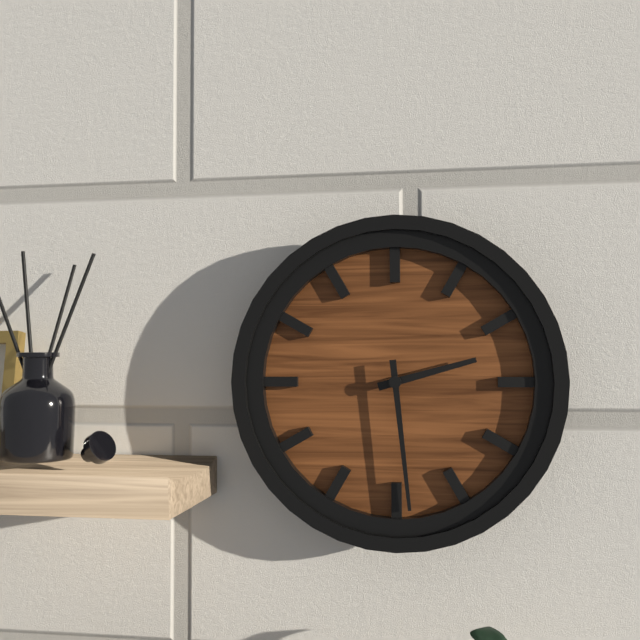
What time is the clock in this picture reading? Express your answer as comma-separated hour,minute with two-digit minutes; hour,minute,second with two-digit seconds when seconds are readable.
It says 2,29
